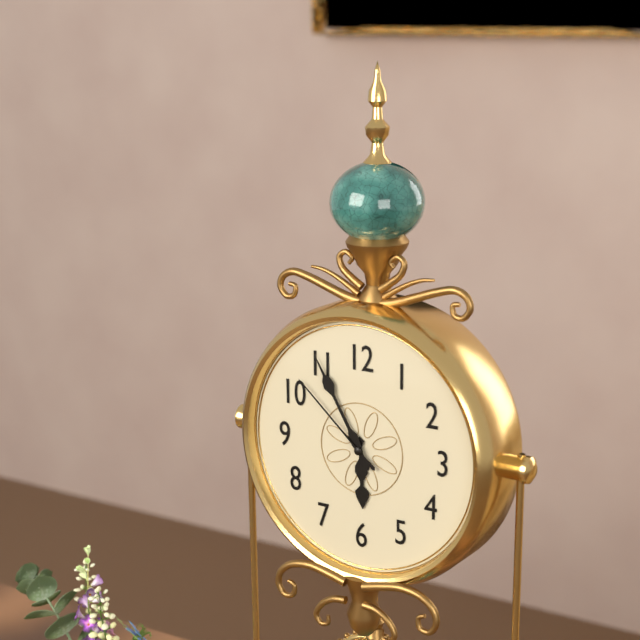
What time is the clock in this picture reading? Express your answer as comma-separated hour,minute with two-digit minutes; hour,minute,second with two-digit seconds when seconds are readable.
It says 5,55,52
